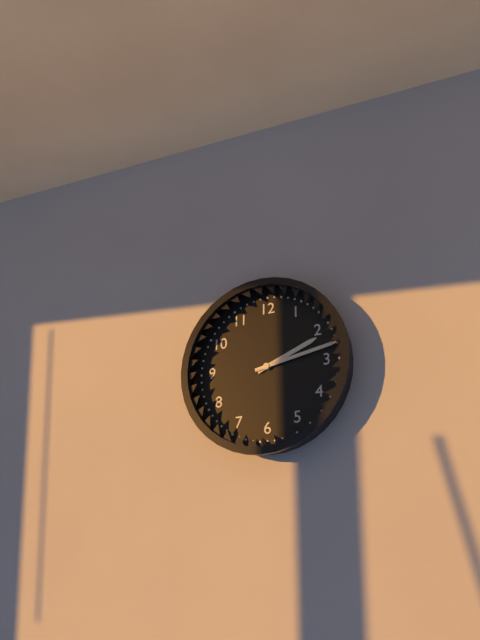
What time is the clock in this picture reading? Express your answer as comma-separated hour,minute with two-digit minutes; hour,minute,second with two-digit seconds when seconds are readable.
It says 2,13
